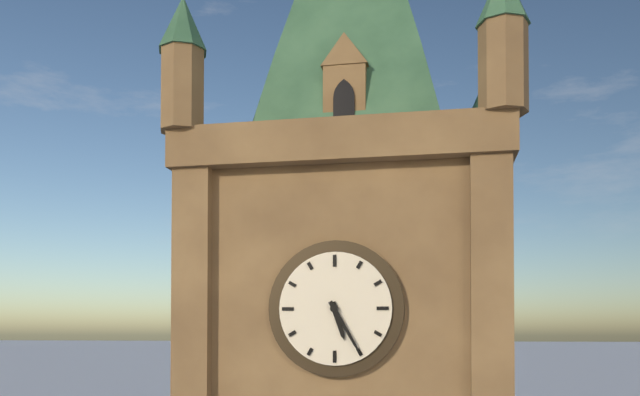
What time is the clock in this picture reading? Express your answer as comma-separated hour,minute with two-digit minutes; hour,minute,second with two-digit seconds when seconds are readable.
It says 5,25
